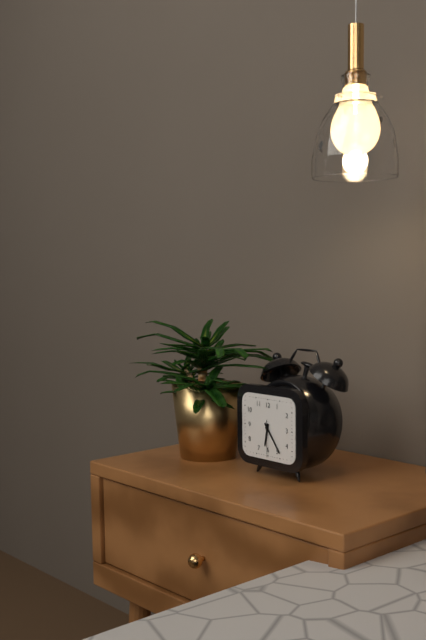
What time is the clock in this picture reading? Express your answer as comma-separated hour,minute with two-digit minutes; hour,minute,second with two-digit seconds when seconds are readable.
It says 6,24
